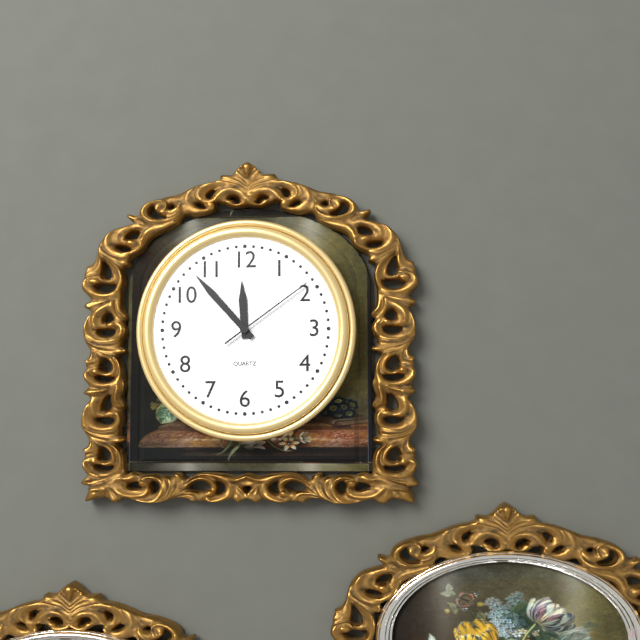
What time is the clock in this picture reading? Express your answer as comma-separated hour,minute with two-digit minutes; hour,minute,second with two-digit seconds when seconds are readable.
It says 11,53,09
